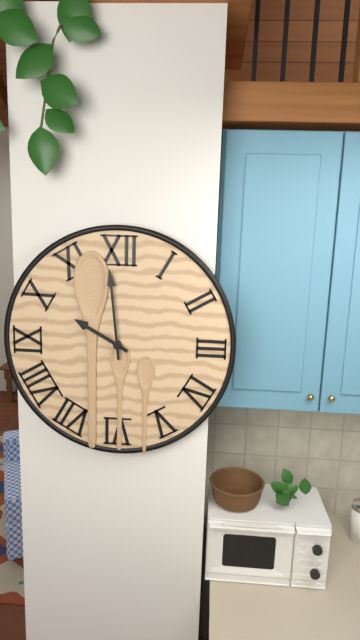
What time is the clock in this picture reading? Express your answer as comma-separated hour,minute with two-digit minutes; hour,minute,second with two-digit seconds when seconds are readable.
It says 9,59
